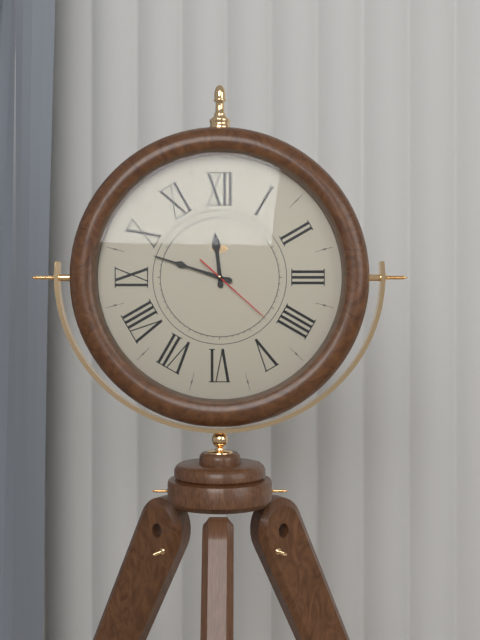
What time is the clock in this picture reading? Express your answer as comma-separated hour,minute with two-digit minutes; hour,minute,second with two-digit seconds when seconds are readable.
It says 11,48,22
